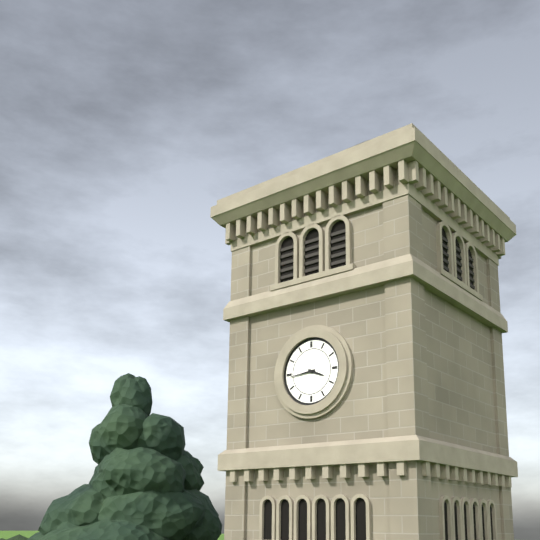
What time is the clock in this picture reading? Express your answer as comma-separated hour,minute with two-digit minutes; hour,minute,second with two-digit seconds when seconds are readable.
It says 3,44
